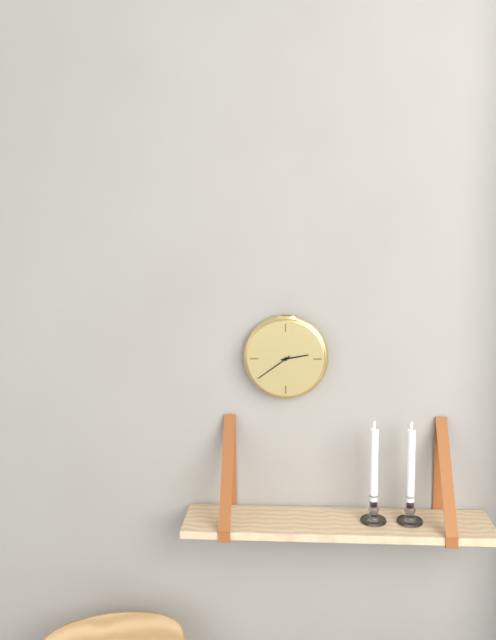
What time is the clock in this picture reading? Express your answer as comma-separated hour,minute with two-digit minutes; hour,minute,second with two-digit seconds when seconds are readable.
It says 2,39
